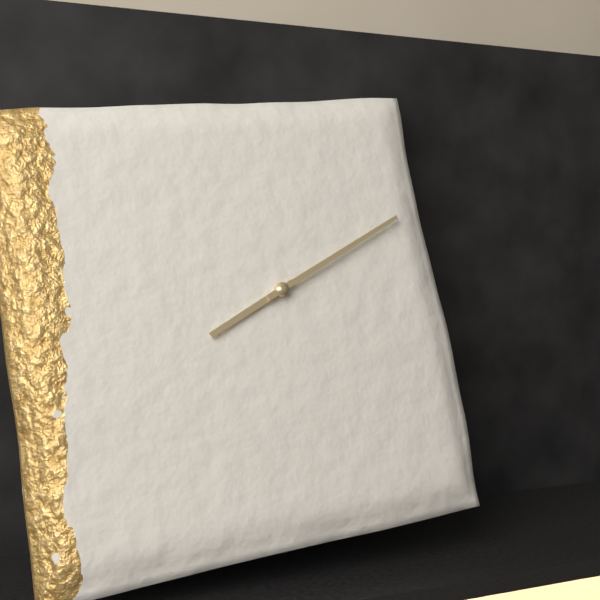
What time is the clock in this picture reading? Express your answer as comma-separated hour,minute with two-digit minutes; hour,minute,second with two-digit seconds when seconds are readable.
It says 8,11
